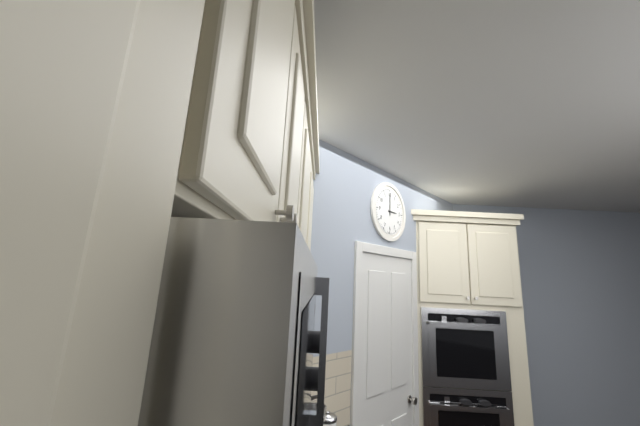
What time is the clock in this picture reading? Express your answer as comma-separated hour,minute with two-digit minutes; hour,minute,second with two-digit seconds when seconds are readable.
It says 3,00
